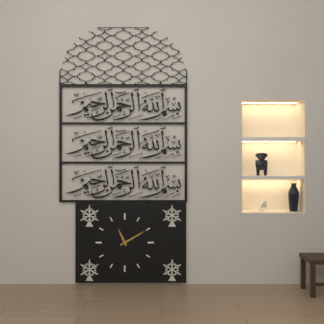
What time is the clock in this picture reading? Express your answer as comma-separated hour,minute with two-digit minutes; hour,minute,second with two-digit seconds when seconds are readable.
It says 11,10
